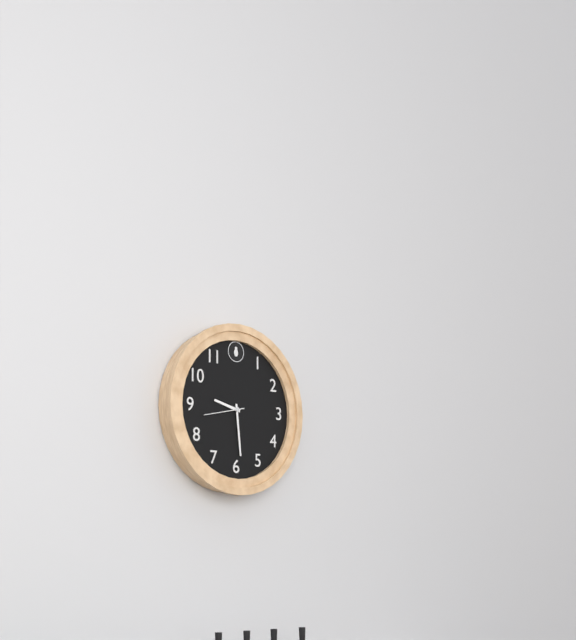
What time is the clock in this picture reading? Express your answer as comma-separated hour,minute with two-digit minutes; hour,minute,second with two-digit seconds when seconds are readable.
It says 9,29
